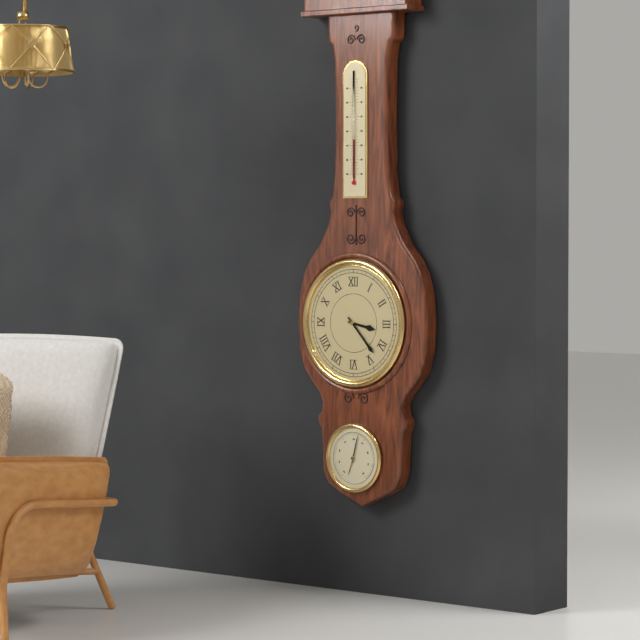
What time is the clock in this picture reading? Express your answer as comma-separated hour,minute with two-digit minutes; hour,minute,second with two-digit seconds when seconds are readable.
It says 3,23
